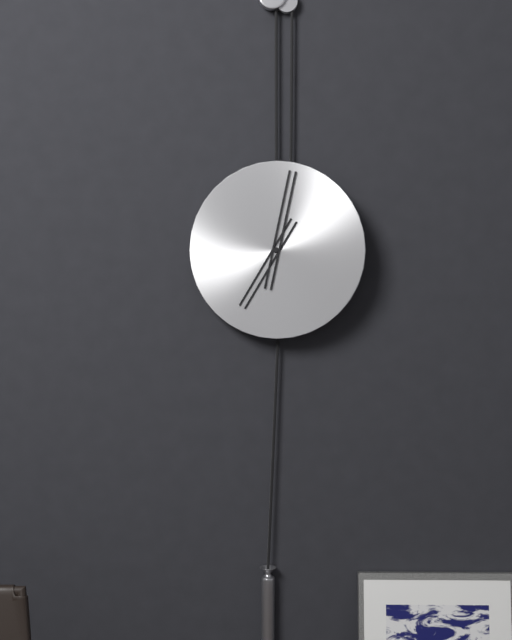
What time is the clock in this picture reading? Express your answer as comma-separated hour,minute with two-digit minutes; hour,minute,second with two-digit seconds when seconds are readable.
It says 7,02
